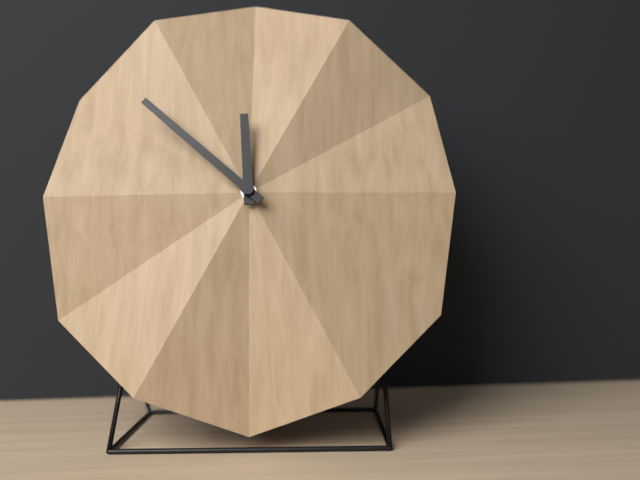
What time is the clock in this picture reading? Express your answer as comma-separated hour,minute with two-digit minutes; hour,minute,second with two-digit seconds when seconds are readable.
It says 11,52
